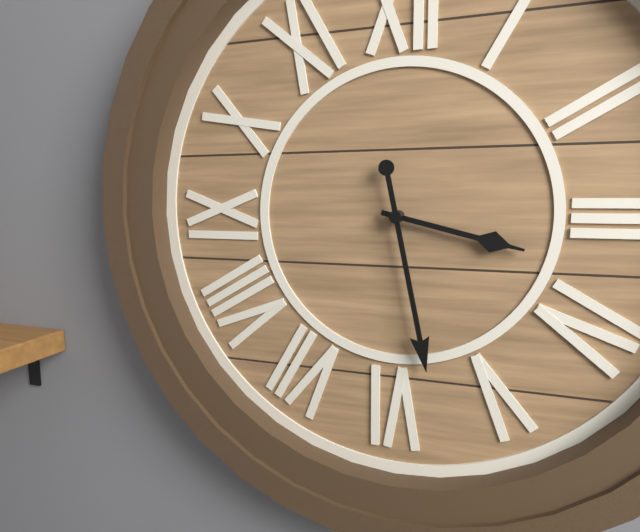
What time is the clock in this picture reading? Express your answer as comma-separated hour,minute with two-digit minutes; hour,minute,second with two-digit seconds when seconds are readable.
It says 3,28
